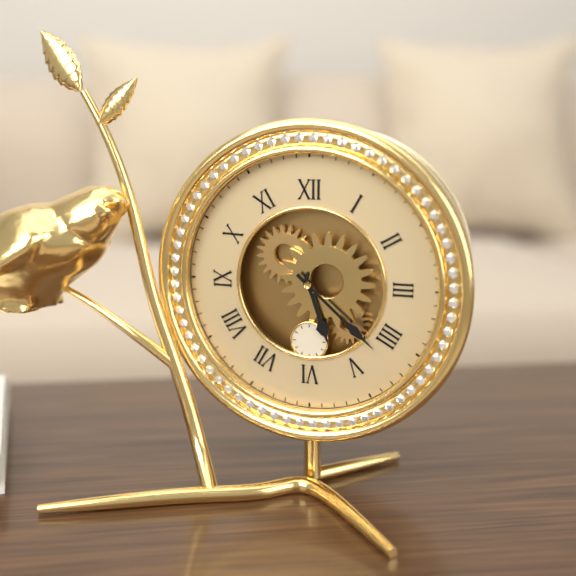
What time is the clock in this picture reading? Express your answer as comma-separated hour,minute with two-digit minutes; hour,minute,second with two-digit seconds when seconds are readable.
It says 5,22
